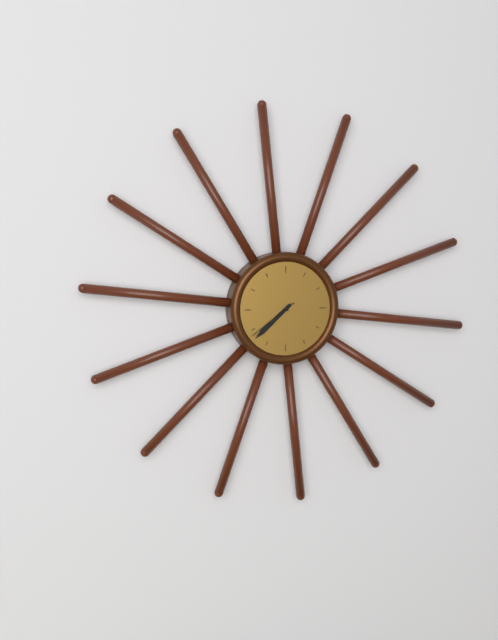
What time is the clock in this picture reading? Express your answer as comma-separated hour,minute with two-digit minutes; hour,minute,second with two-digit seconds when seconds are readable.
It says 7,38,39
